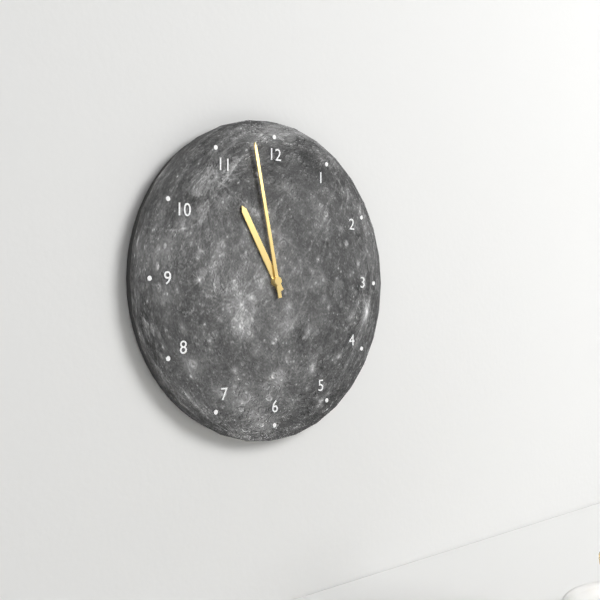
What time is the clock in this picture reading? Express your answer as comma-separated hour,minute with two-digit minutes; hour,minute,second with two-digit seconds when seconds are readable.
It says 10,58
